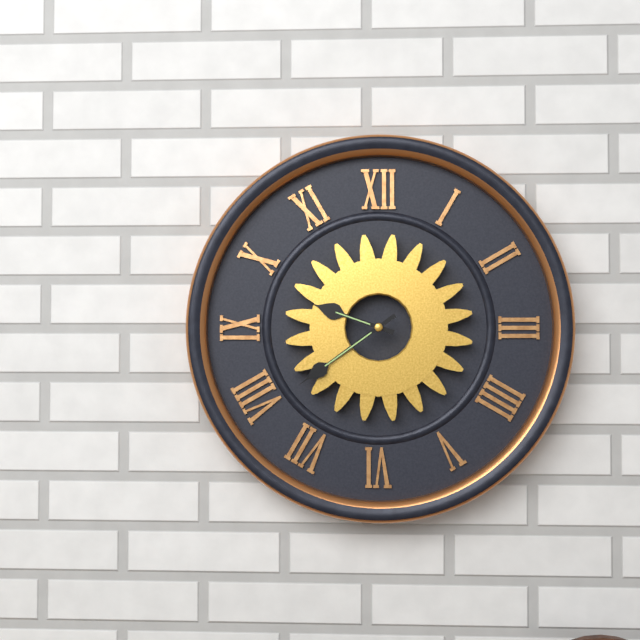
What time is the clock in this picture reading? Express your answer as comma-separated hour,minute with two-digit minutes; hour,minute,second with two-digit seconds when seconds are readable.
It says 9,39
